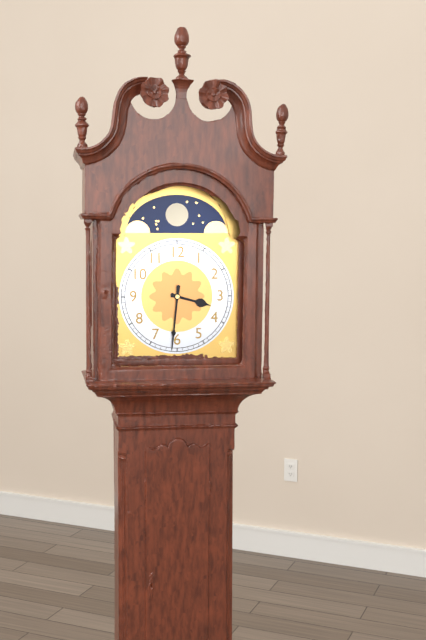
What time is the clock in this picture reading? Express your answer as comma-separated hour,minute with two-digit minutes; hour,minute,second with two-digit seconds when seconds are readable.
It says 3,31
